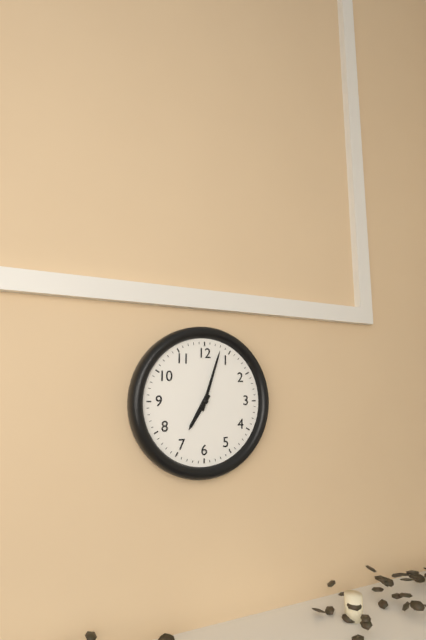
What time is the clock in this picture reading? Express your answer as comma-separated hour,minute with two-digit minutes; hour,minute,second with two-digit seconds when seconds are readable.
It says 7,03
